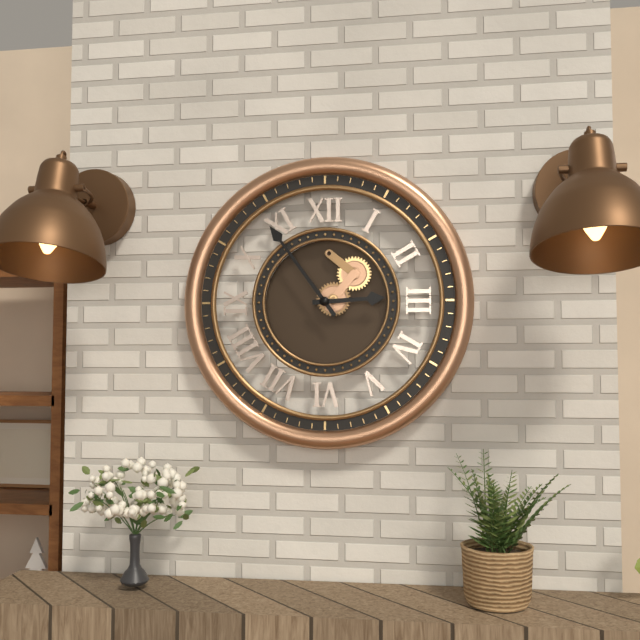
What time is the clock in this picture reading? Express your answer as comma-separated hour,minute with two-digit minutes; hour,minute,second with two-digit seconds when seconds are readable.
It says 2,54
